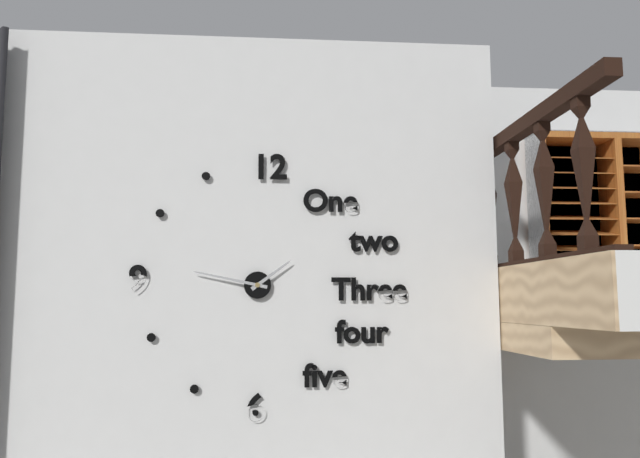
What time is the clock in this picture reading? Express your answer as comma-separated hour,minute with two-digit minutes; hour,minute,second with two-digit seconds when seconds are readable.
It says 1,47
